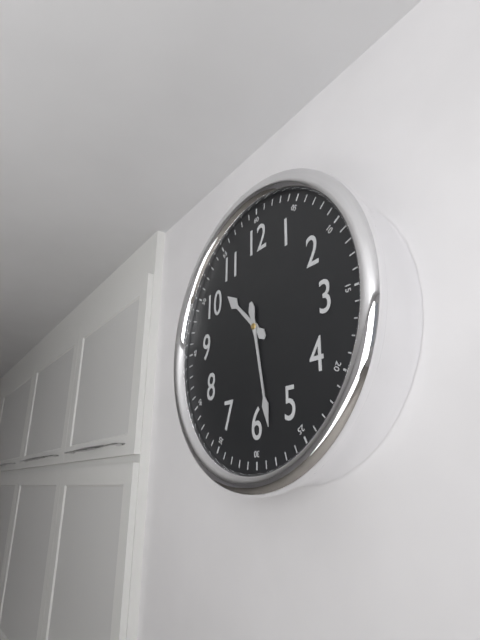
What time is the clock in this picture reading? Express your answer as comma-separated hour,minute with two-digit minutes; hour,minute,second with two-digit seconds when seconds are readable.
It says 10,28
